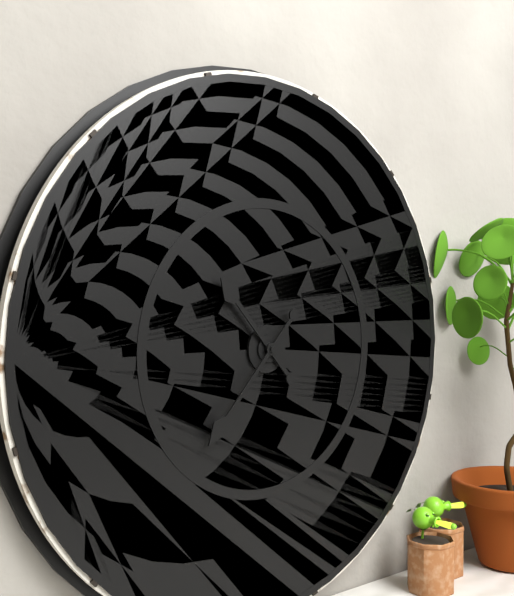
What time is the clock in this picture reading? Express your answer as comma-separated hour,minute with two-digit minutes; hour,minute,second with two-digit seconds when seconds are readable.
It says 10,37
